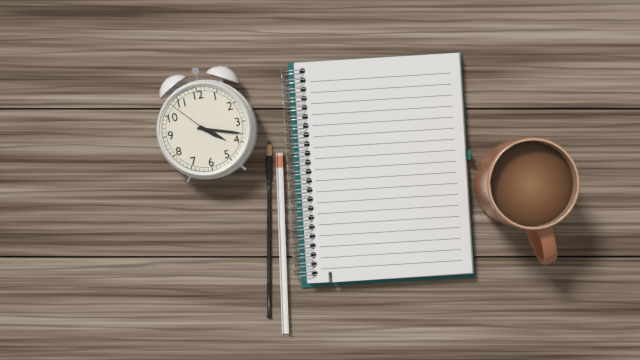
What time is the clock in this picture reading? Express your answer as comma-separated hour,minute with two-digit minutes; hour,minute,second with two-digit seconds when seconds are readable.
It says 4,18
